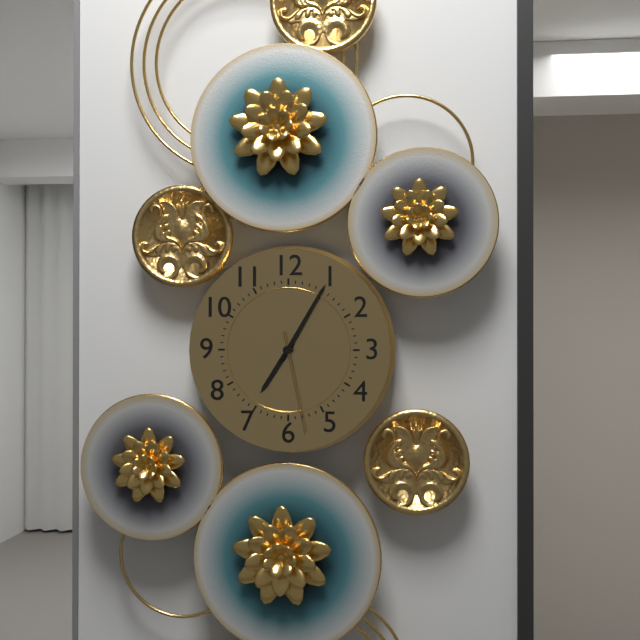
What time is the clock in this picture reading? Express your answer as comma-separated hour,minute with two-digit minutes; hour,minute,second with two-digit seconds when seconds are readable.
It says 7,05,28
